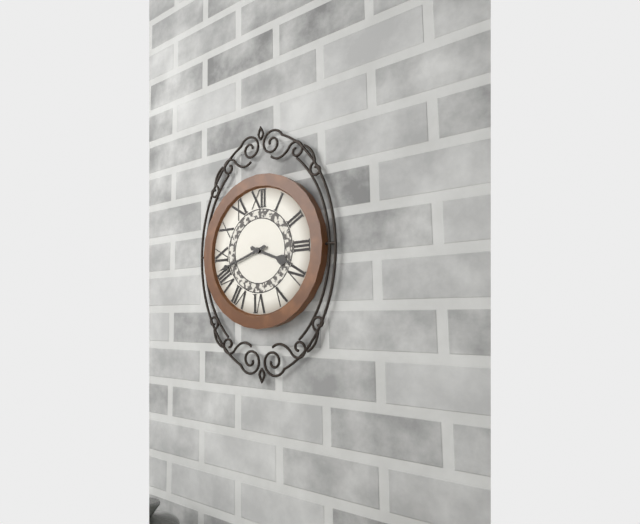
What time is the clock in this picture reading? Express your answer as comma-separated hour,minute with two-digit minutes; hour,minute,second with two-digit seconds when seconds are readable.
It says 3,42
